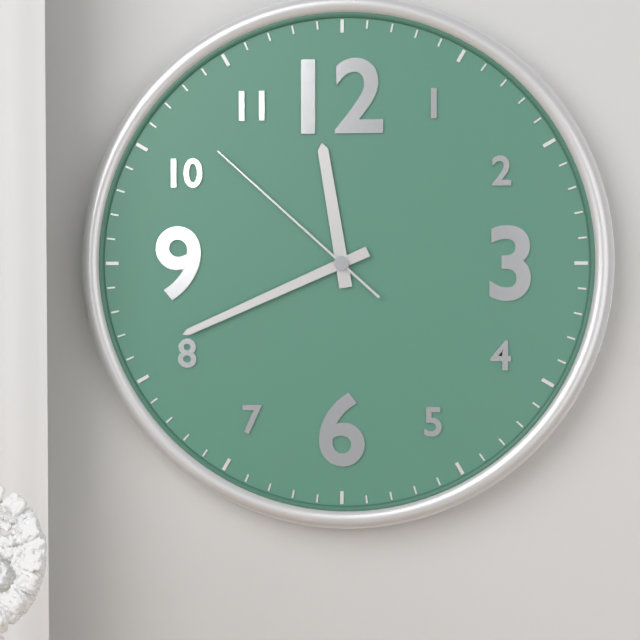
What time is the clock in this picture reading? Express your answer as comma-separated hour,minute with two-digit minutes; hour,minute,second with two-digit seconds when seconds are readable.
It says 11,41,52
